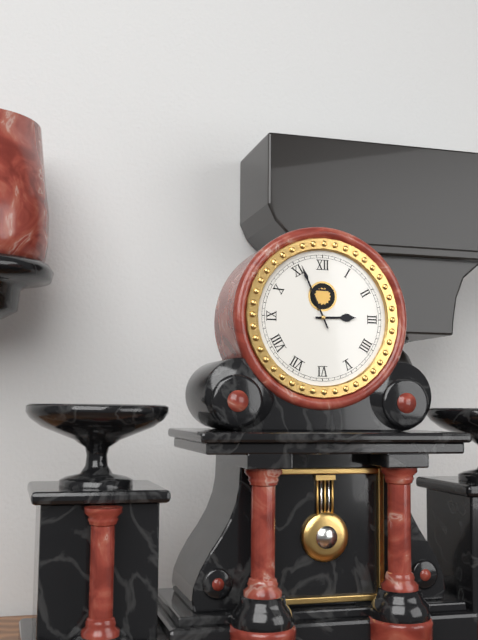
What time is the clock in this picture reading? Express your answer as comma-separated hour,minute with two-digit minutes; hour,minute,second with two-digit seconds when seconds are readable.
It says 2,56
